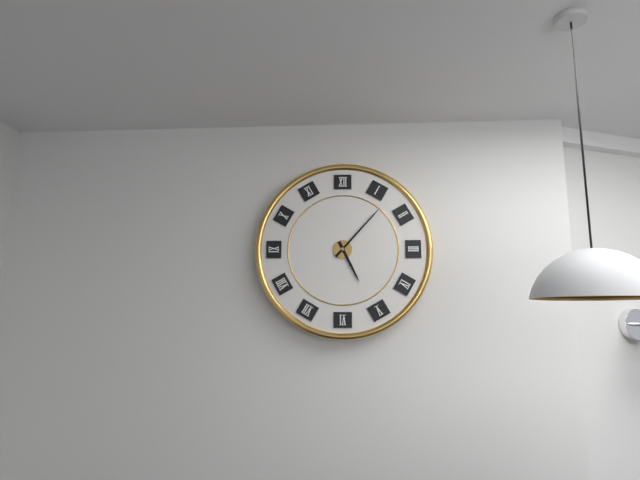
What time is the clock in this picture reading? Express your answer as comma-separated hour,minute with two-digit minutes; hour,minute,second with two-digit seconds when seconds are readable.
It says 5,07
